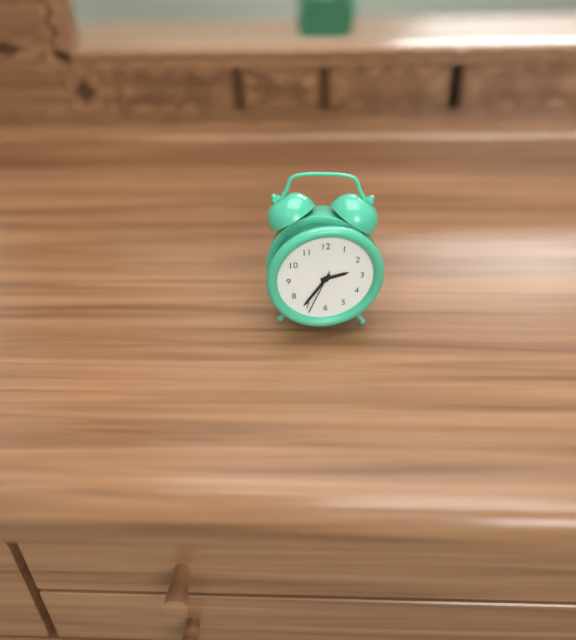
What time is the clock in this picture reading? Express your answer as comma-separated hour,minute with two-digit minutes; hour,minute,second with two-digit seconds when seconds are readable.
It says 2,36
